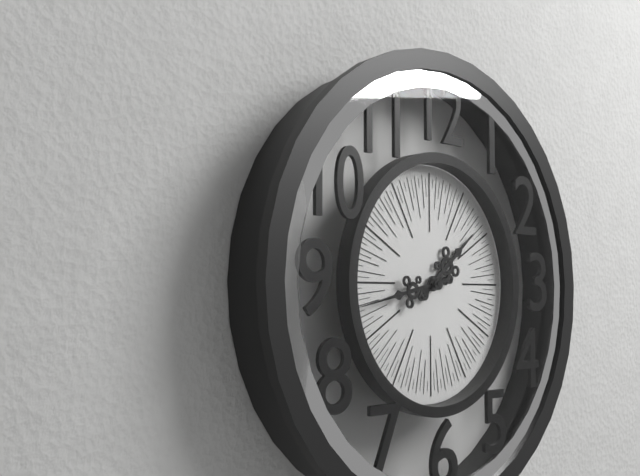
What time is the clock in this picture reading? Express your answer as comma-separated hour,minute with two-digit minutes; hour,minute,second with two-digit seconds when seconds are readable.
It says 1,43
